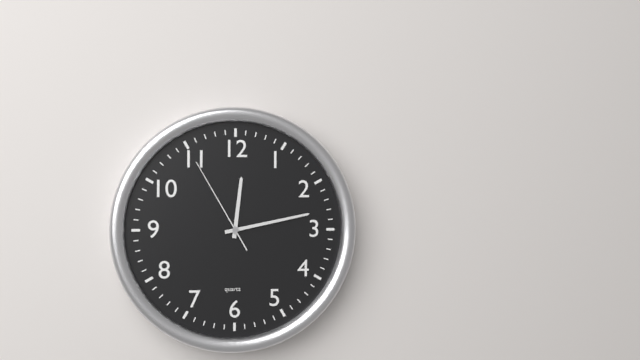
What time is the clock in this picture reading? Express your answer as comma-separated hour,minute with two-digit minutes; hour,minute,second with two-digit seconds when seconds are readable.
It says 12,13,55
